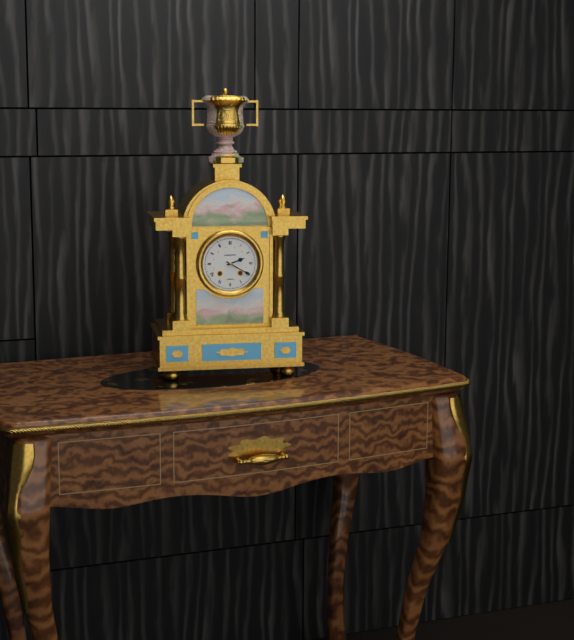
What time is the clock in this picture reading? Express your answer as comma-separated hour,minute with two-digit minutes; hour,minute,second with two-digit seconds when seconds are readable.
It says 2,20
